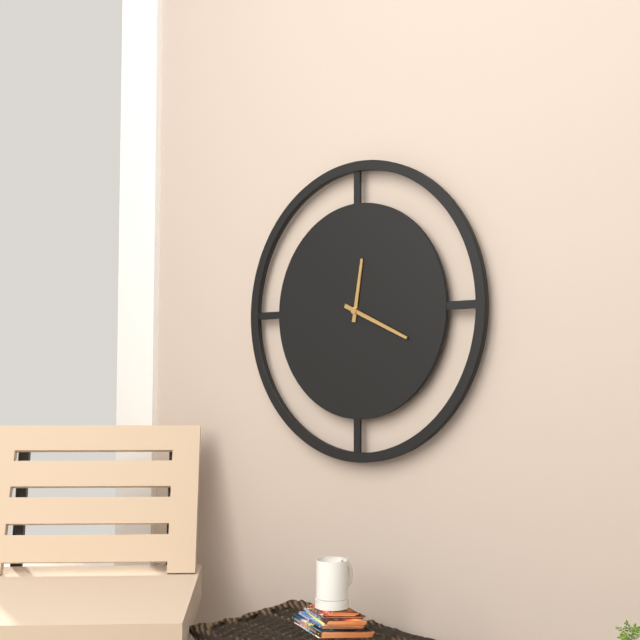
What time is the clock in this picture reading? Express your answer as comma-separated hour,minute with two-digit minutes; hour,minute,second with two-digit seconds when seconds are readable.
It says 12,19
